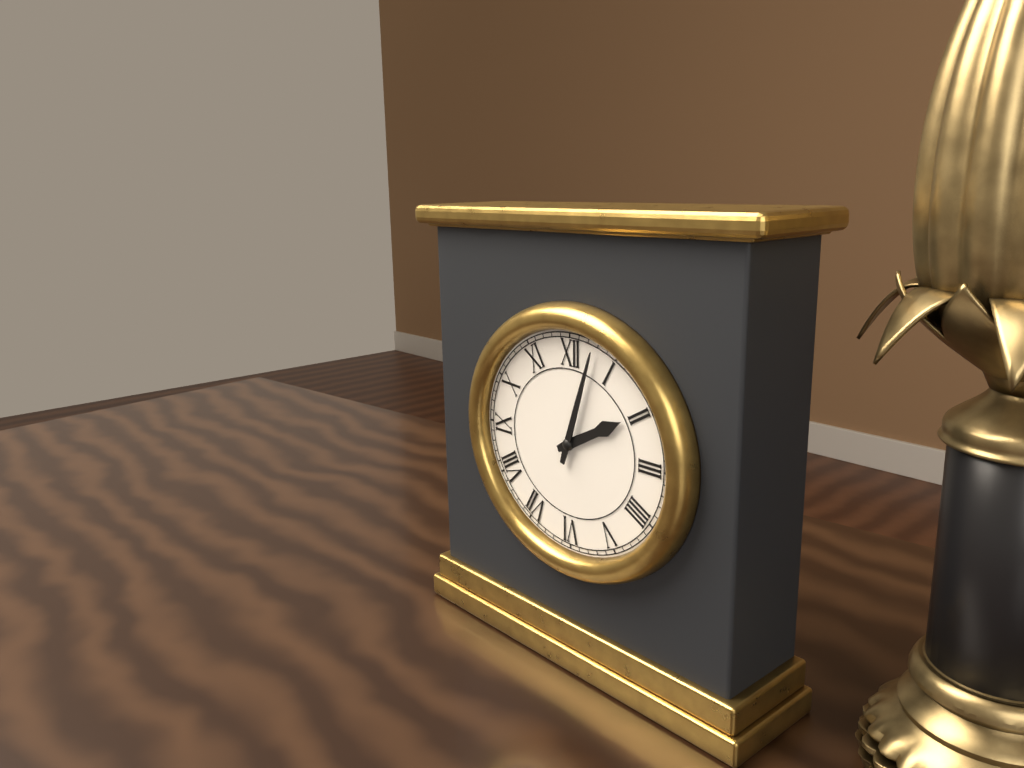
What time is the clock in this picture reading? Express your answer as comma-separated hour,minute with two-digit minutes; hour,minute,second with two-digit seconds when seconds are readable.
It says 2,03
